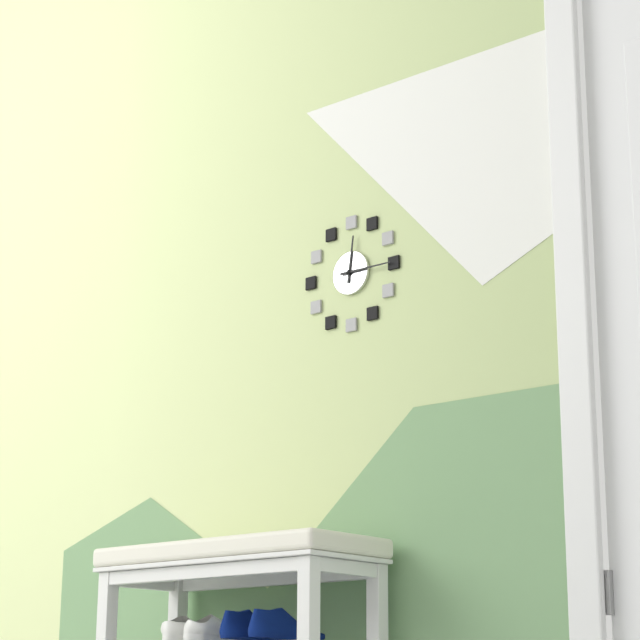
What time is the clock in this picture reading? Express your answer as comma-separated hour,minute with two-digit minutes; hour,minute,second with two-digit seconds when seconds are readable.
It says 12,15
